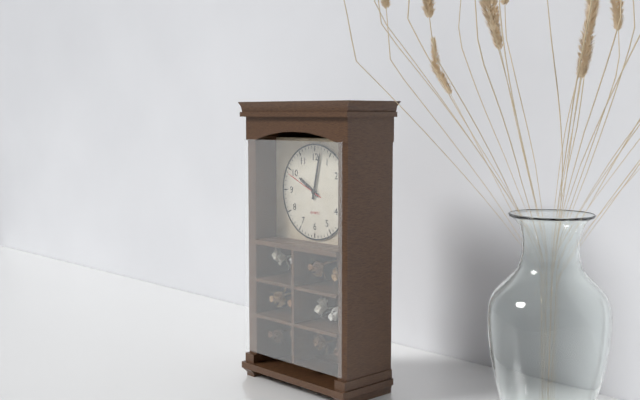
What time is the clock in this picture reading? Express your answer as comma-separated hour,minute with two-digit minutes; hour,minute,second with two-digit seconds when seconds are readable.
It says 10,02
